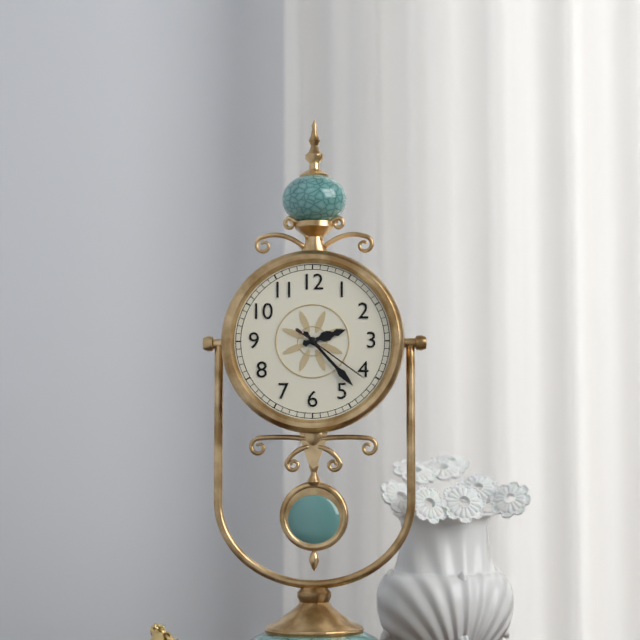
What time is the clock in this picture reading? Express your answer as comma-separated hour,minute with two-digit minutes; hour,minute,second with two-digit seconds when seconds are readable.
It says 2,23,21
